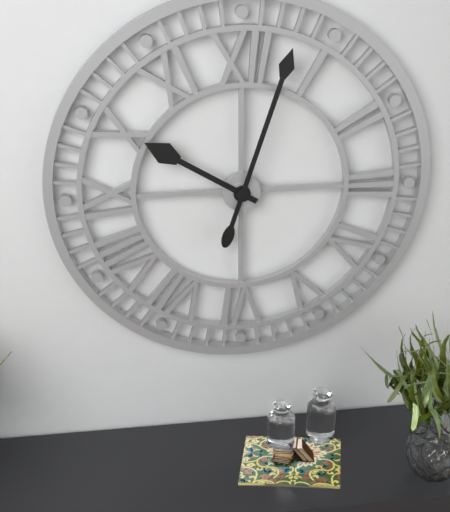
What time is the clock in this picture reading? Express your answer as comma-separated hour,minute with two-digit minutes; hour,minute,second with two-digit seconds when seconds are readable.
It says 10,03
